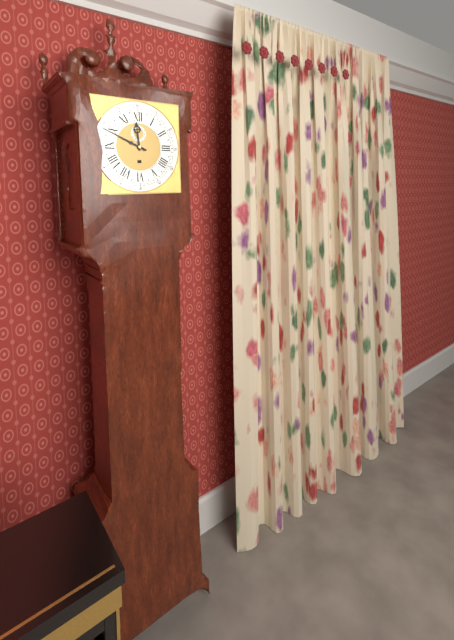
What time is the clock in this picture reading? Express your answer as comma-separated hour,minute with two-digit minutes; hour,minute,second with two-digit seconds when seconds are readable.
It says 11,49
